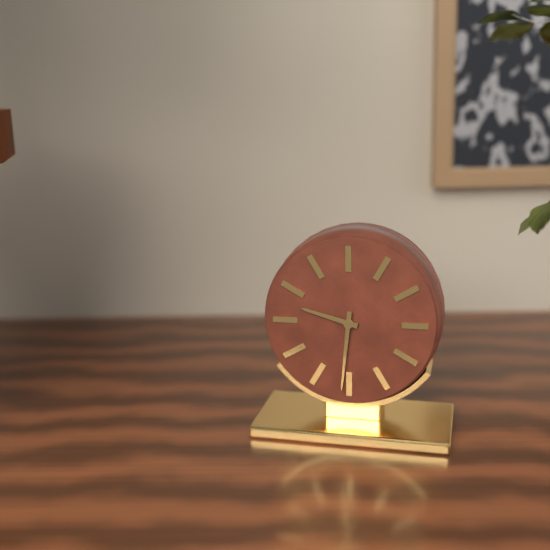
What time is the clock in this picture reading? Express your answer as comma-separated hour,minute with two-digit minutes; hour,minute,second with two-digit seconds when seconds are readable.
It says 9,31
